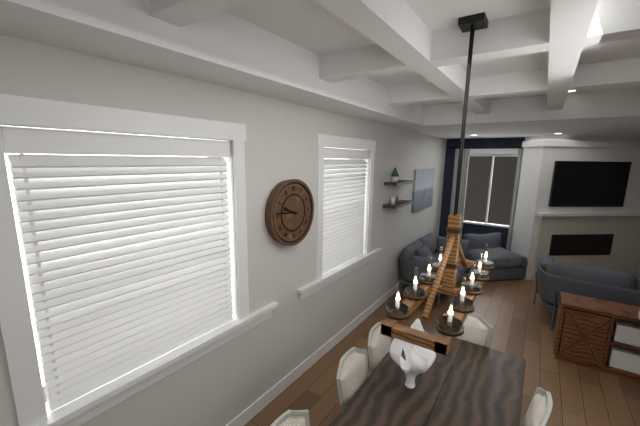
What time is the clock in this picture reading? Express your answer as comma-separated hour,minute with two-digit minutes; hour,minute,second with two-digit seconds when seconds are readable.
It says 9,46
